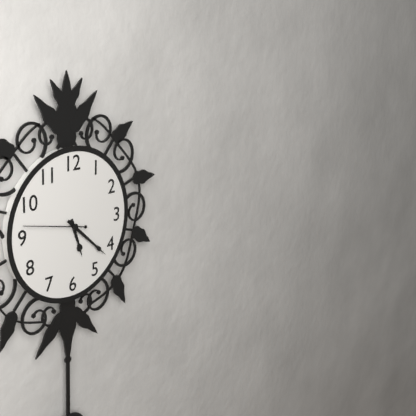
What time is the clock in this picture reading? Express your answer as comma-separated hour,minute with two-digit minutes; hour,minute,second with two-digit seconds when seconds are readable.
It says 5,22,47
